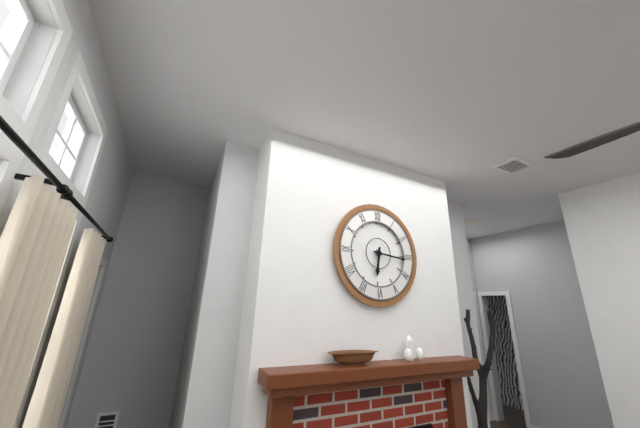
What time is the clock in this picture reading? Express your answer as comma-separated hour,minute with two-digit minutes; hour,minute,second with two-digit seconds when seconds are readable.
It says 6,16
